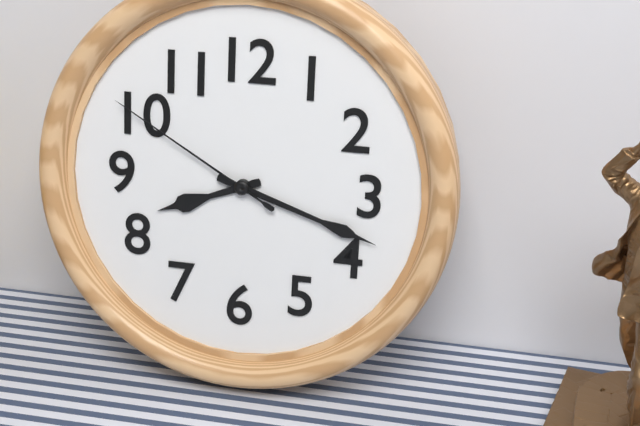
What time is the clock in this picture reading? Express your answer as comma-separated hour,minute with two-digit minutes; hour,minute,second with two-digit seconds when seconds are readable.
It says 8,18,50
